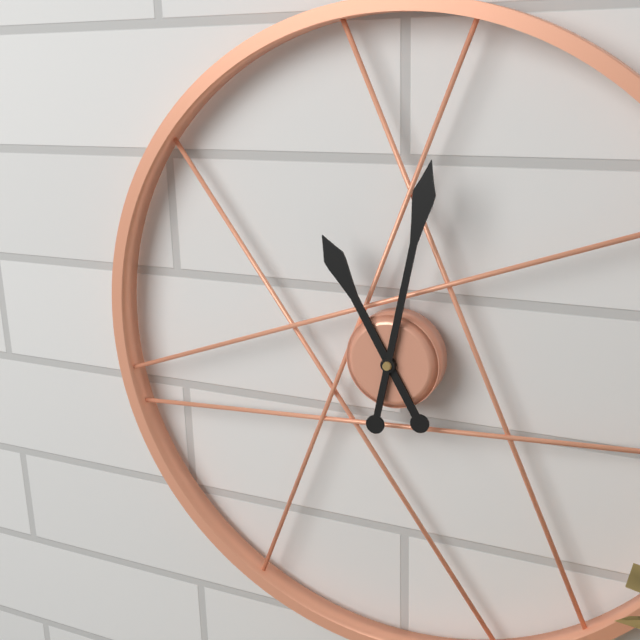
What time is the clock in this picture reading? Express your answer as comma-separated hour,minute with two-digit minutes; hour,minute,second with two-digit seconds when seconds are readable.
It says 11,02
